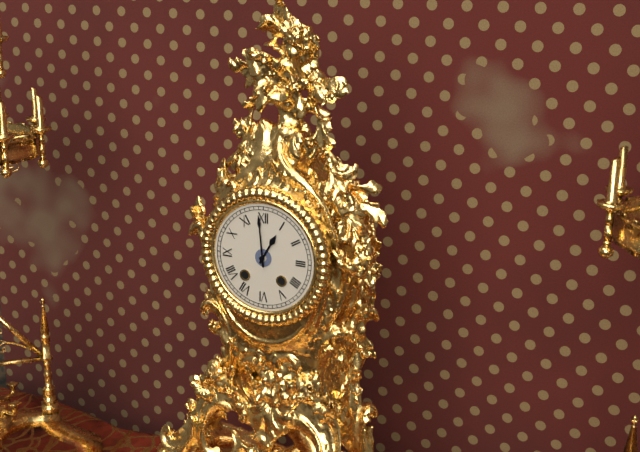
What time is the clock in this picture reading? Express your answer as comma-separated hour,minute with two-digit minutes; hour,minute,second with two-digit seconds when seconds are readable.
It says 12,59
